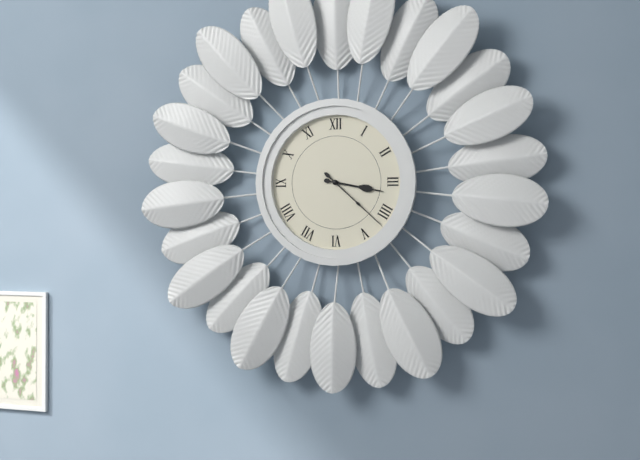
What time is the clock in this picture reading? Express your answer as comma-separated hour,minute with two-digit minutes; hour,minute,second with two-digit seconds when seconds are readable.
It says 3,22
